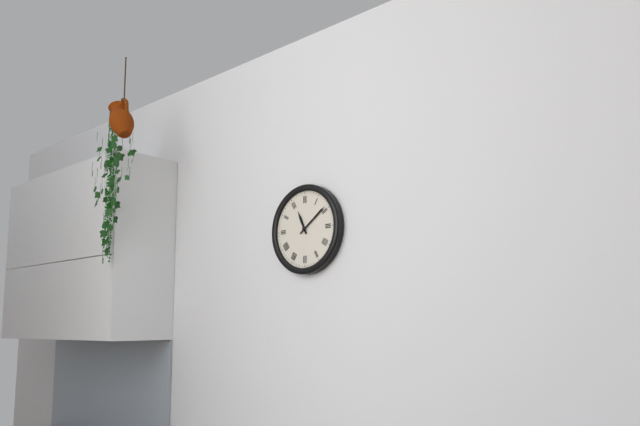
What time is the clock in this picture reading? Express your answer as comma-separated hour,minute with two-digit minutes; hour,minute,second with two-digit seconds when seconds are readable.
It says 11,09
